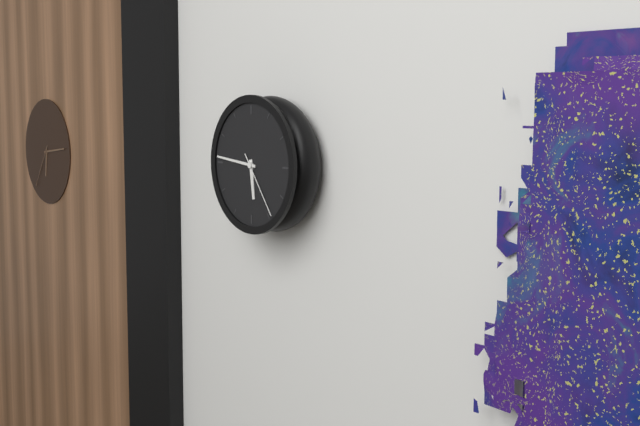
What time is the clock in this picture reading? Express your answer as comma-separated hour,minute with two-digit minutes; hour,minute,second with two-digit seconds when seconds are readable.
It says 5,46,24
